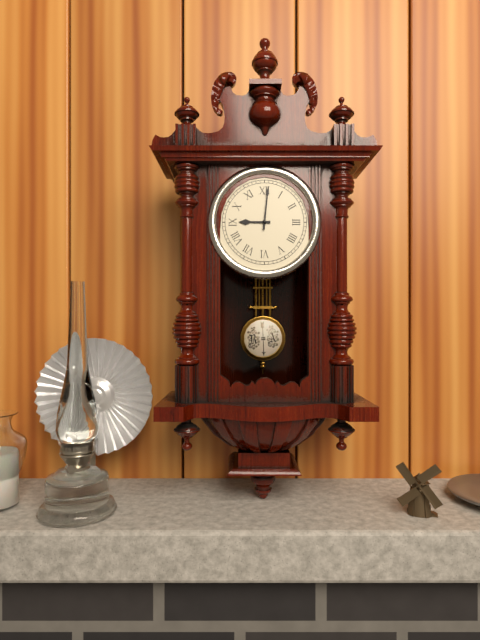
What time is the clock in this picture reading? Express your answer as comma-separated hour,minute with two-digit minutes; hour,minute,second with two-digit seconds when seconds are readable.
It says 9,01
